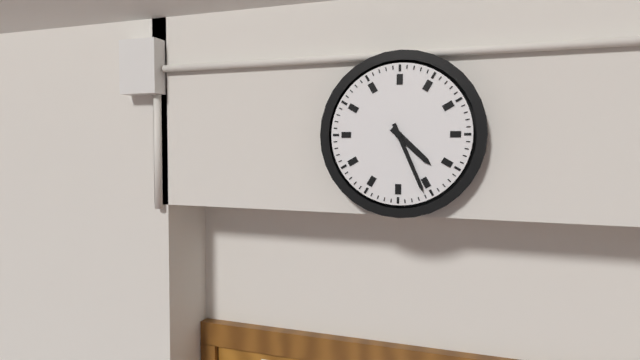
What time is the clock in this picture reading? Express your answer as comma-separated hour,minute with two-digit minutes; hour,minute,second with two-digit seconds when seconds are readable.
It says 4,26
